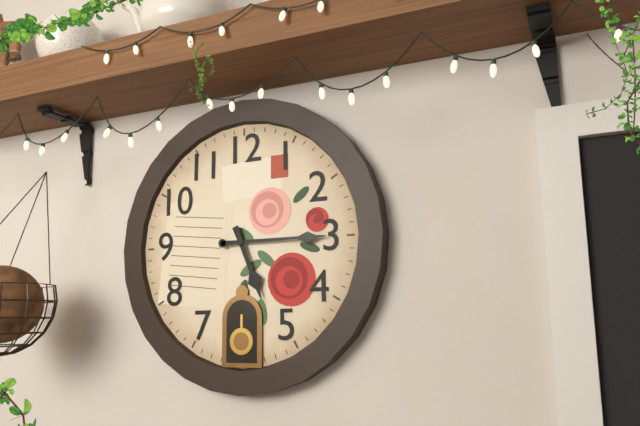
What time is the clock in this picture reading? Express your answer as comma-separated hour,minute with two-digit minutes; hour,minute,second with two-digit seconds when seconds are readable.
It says 5,15
